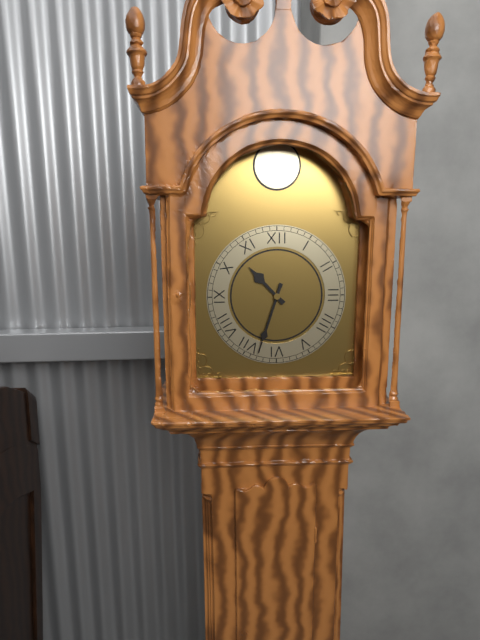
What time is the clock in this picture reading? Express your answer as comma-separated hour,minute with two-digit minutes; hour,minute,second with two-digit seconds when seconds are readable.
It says 10,33
